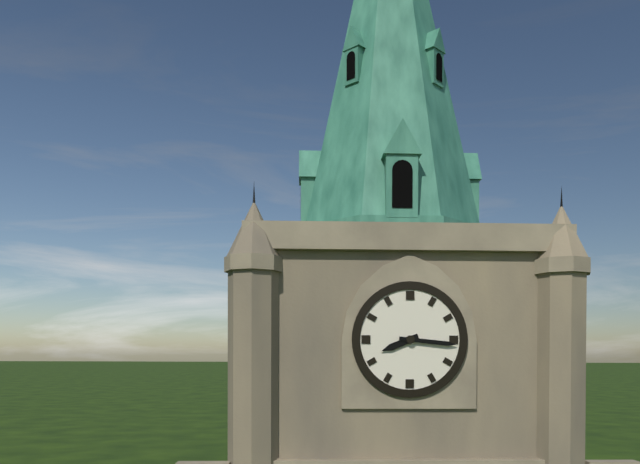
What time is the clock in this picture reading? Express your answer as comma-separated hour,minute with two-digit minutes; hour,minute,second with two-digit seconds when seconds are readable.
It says 8,16
